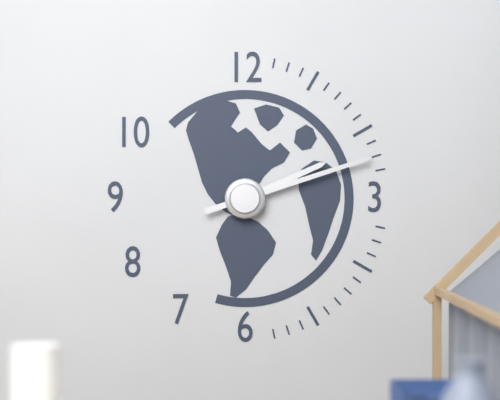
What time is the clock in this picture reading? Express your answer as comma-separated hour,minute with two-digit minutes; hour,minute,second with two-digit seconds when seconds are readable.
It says 2,12
